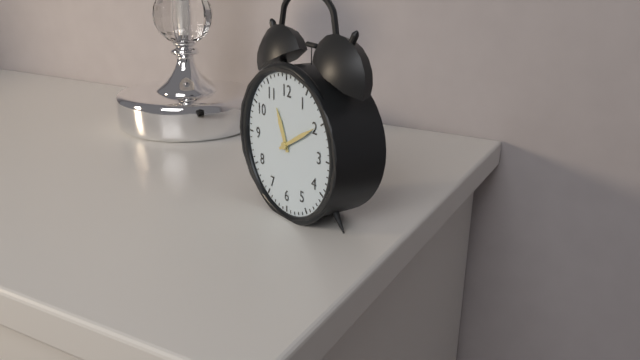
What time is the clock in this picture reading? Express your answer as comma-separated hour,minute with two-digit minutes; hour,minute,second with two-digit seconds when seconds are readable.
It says 11,10
